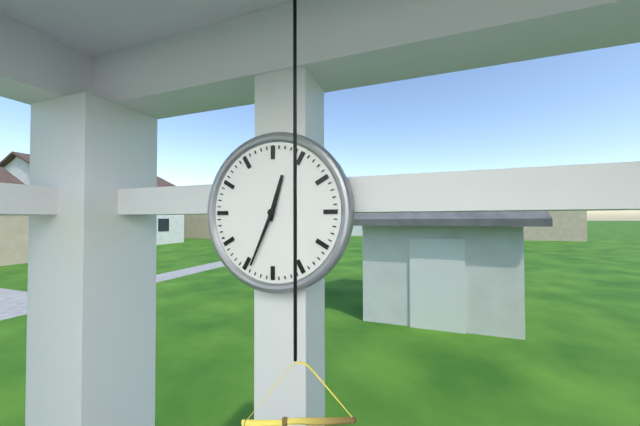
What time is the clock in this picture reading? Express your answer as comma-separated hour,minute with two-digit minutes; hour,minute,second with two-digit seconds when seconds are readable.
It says 12,34
